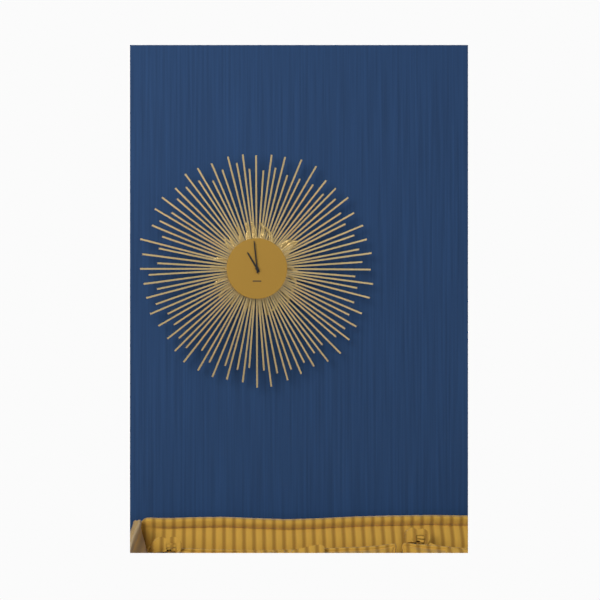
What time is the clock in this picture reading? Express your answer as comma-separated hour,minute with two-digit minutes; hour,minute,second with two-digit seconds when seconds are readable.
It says 10,59
